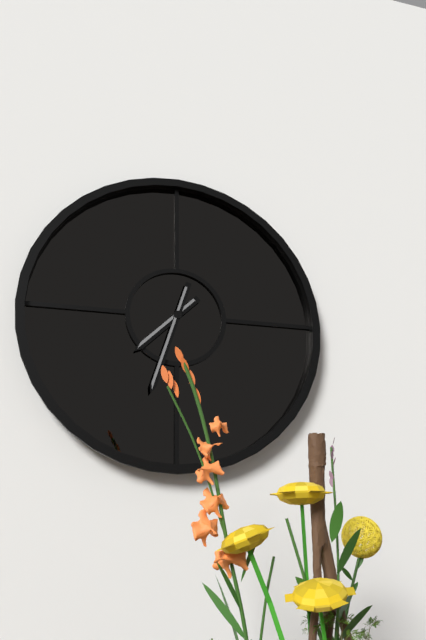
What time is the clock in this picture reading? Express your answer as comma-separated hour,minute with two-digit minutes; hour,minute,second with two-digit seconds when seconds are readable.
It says 7,33
